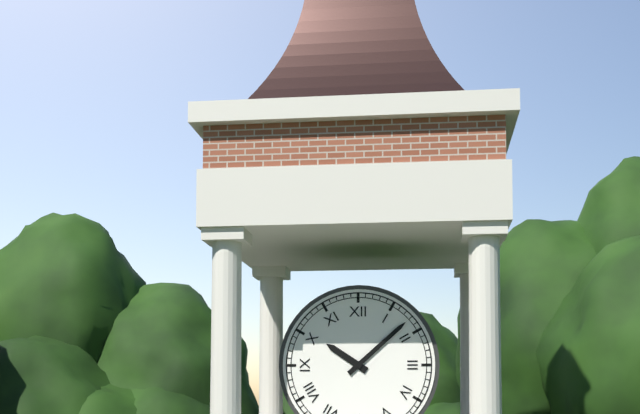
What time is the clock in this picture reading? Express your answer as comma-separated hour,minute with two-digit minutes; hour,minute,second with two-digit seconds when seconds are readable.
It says 10,08
